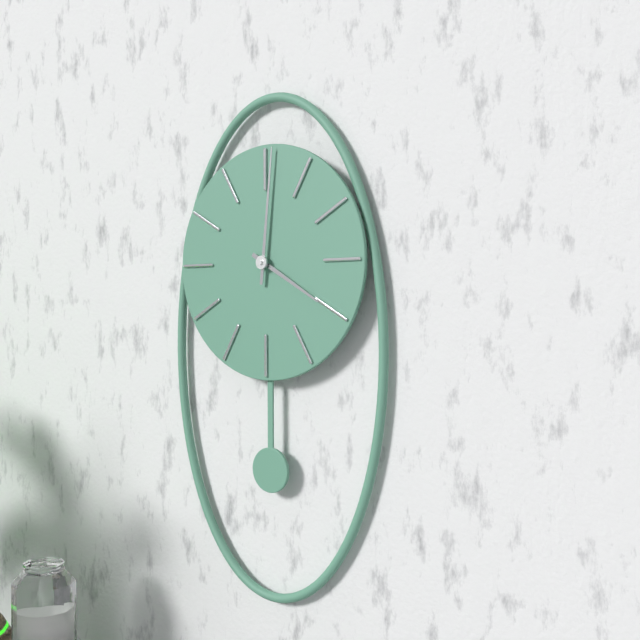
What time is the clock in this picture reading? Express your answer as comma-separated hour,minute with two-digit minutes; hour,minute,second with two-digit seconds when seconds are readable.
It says 4,01
